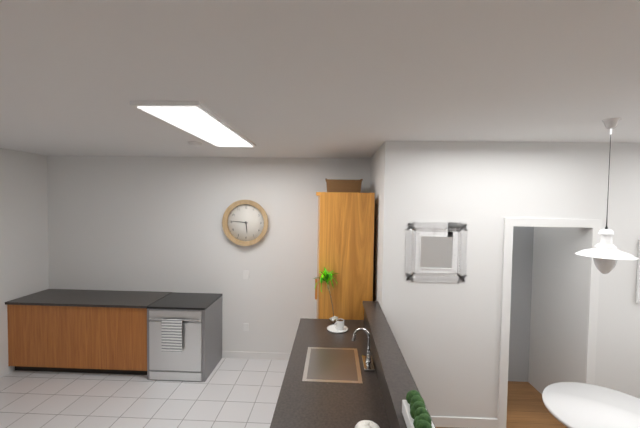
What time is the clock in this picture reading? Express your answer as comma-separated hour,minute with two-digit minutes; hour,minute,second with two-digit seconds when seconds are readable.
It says 5,46
